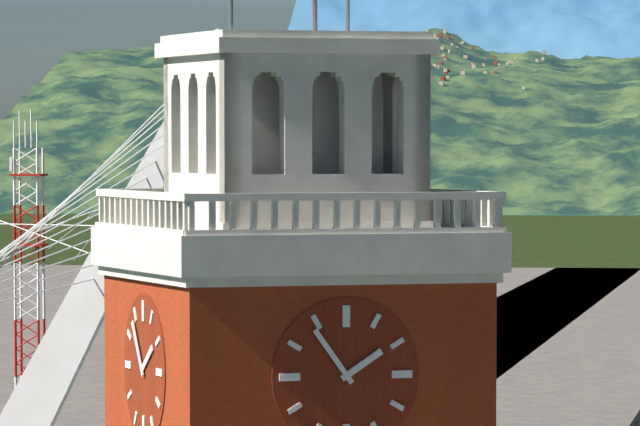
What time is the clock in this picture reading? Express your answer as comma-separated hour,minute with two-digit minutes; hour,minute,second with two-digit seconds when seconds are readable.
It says 1,54
